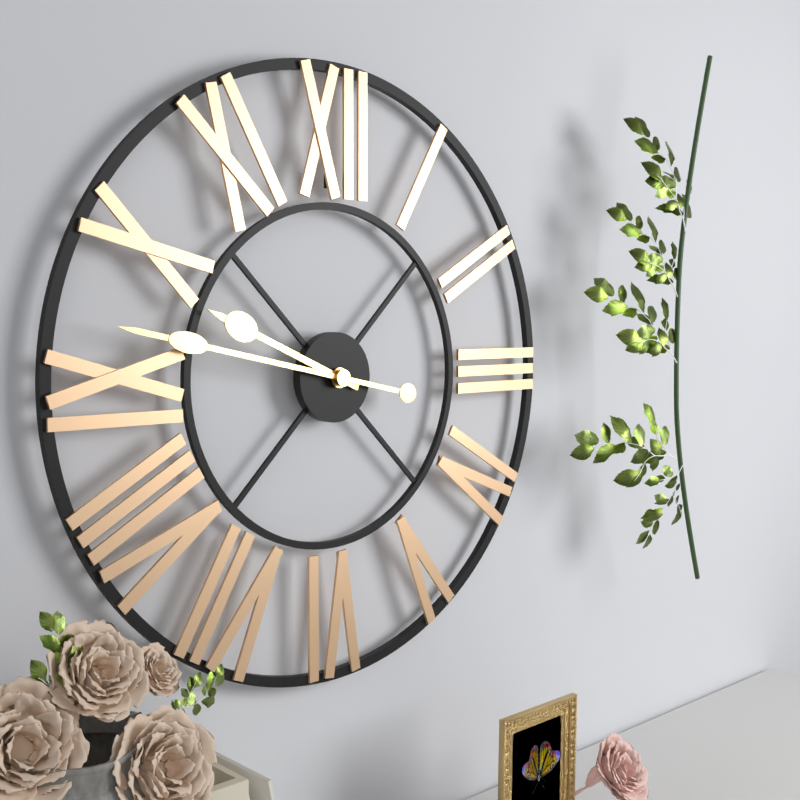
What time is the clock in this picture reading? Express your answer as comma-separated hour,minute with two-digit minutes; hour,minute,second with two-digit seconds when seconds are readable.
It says 9,47
